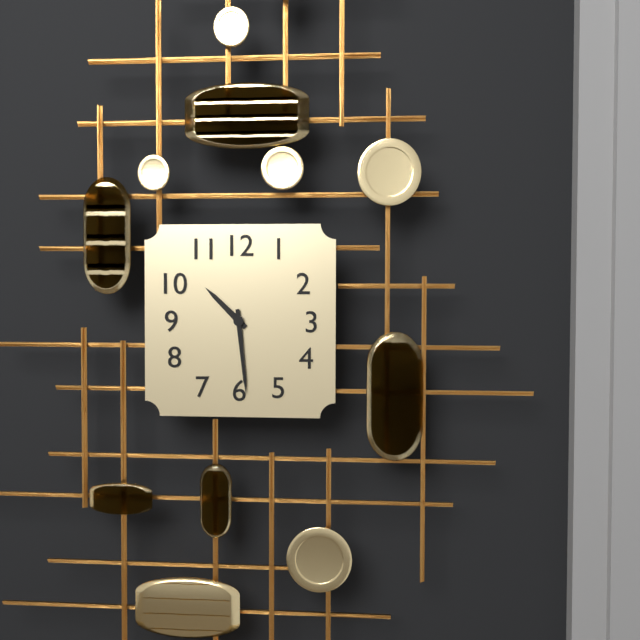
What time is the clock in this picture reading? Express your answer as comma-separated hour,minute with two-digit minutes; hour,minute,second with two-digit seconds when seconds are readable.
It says 10,29
